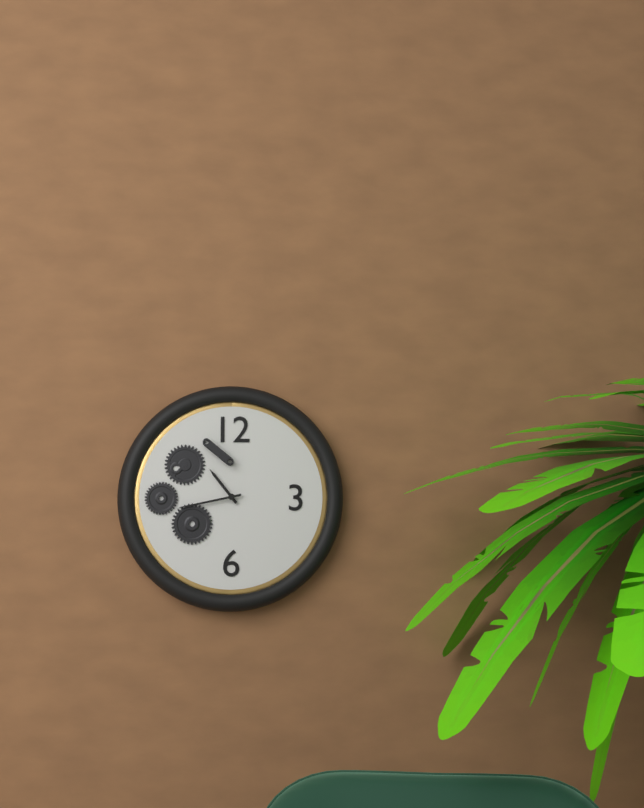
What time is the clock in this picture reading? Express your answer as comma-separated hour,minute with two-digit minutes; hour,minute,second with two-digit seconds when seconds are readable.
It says 10,43
